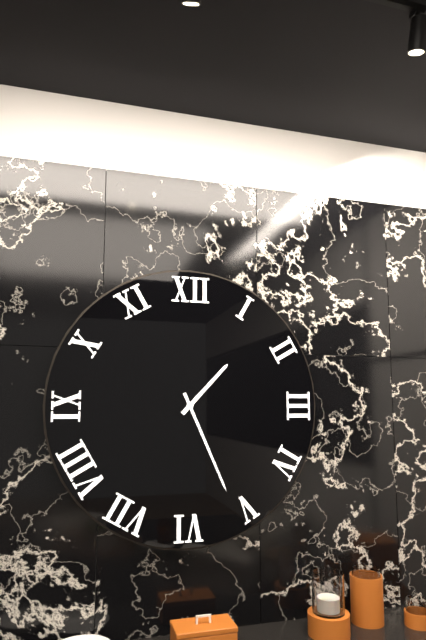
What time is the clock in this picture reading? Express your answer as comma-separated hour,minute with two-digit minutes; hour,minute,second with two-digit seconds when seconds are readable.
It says 1,26
